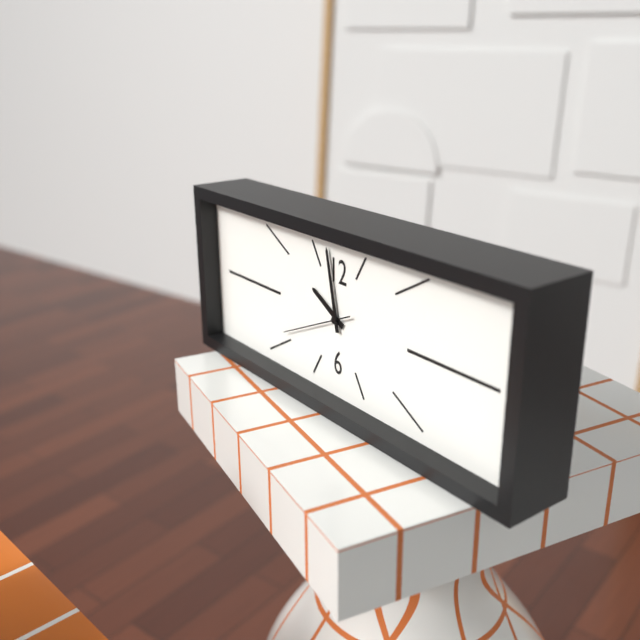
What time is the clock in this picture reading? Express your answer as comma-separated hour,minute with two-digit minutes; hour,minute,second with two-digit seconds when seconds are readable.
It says 9,58,41
